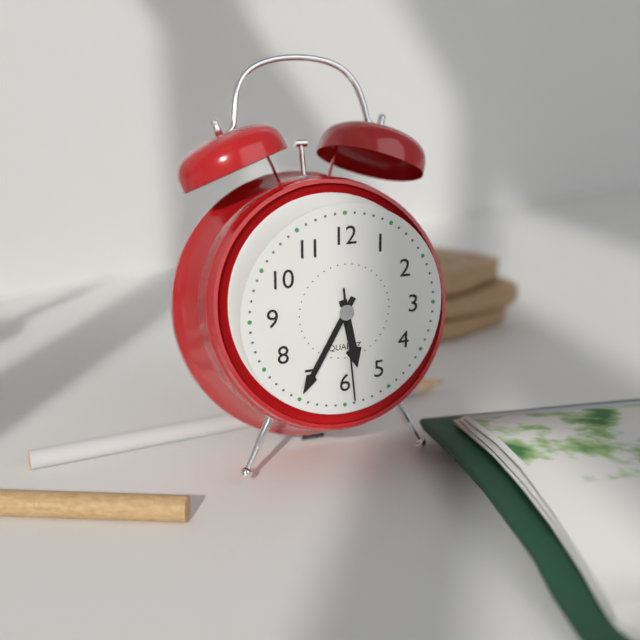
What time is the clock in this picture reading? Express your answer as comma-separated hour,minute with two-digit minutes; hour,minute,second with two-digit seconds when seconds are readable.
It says 5,35,29
